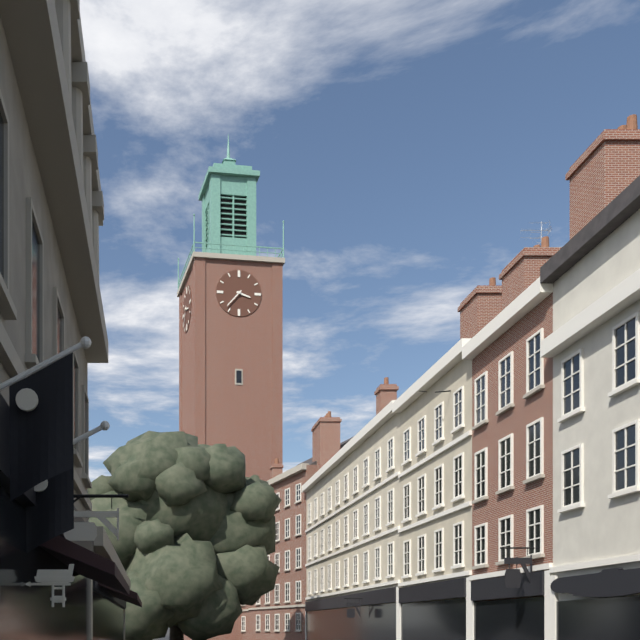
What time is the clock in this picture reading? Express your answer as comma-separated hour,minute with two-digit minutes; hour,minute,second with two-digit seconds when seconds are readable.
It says 3,37
